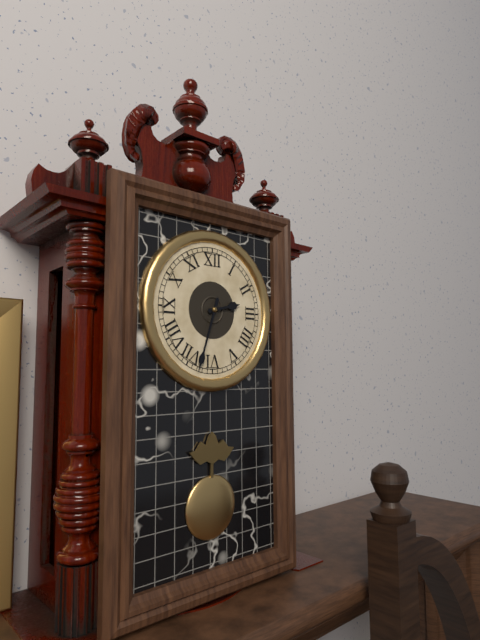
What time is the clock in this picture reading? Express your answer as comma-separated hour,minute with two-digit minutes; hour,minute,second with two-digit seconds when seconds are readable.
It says 2,33
